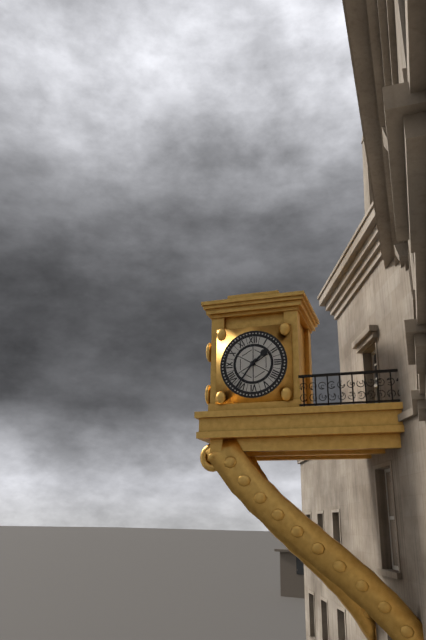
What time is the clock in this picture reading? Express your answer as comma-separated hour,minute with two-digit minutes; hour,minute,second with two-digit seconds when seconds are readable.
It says 1,36
